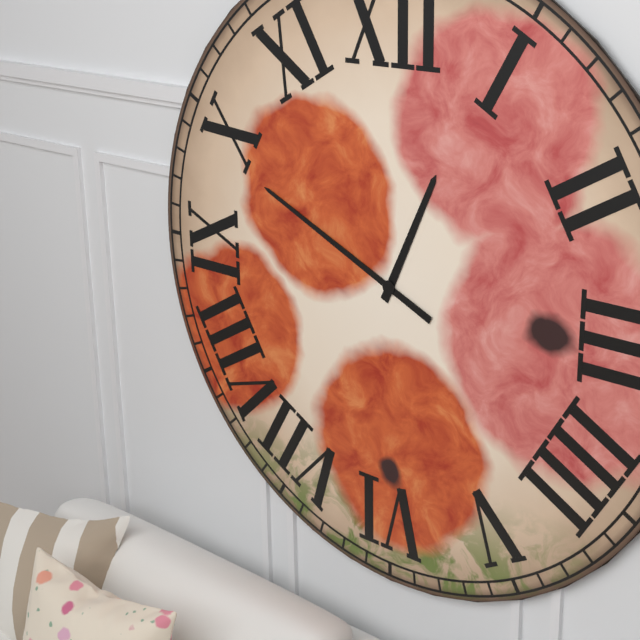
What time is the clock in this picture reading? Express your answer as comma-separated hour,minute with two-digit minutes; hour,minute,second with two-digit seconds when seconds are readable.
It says 12,49
